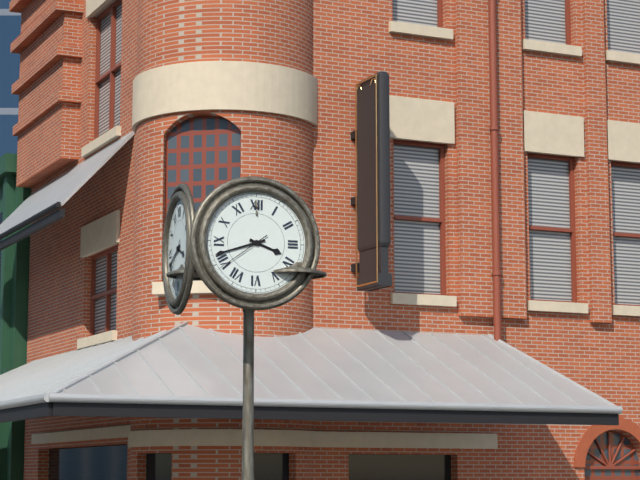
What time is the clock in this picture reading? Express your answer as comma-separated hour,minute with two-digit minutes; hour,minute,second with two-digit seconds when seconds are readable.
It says 3,42,39
